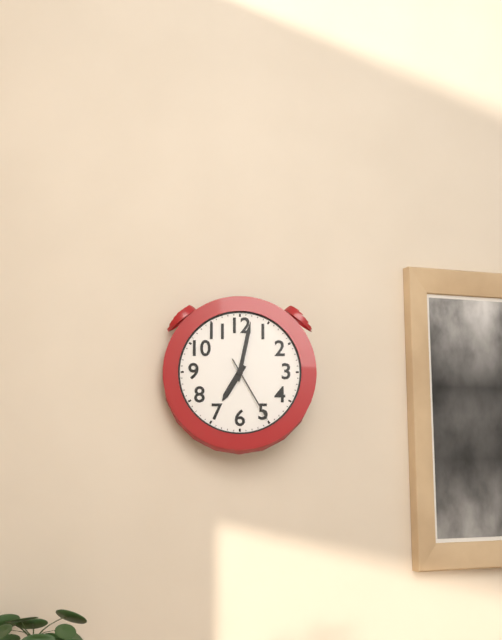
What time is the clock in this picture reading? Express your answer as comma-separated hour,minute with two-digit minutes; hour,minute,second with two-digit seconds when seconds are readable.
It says 7,02,25
